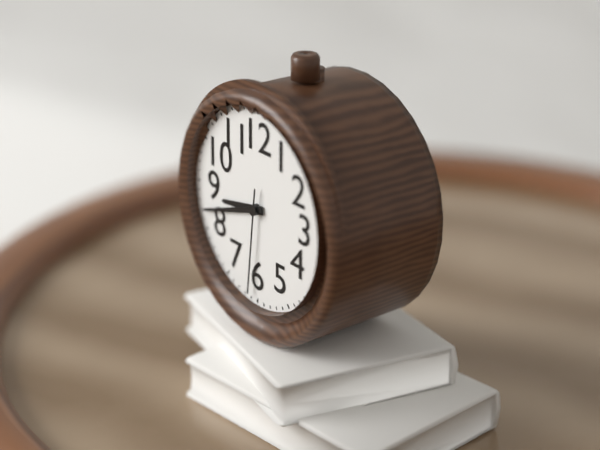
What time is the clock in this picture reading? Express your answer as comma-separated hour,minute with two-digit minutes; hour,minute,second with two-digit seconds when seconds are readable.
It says 8,42,31
